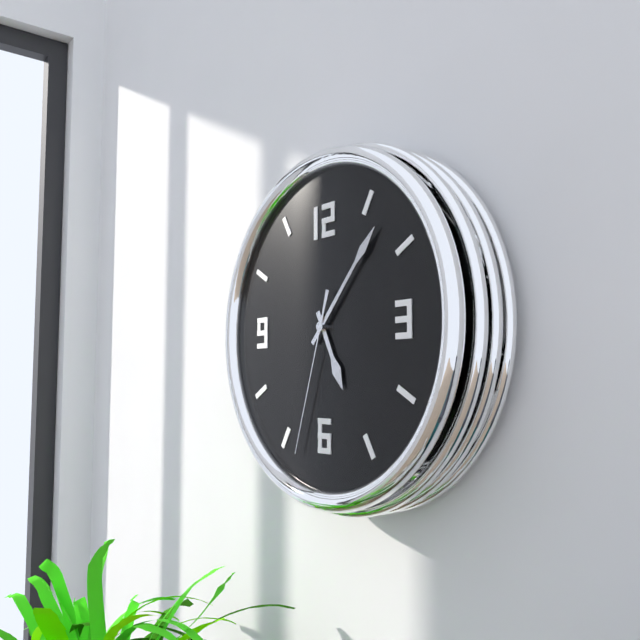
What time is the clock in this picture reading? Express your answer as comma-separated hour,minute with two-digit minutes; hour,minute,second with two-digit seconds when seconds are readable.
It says 5,07,33
